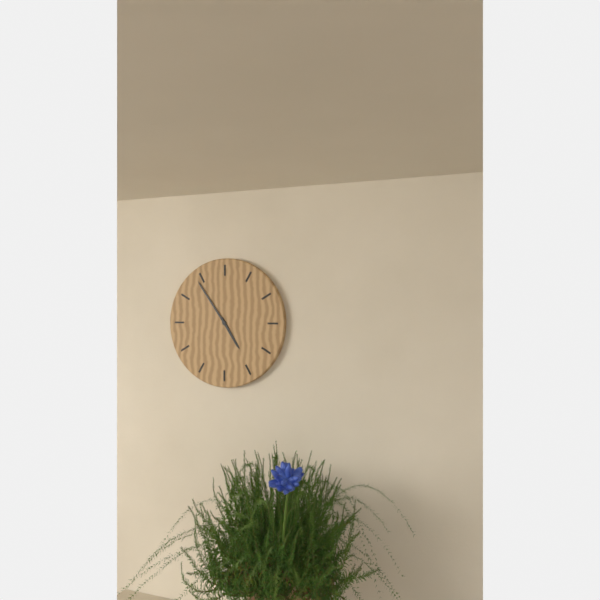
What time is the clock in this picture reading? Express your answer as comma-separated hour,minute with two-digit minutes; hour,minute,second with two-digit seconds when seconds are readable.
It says 4,54
